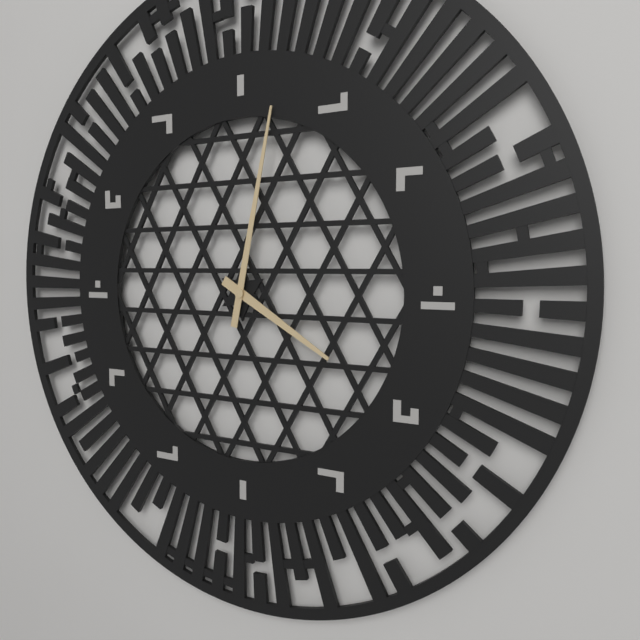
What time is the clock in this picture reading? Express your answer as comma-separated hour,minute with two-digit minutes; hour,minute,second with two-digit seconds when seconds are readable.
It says 4,02
